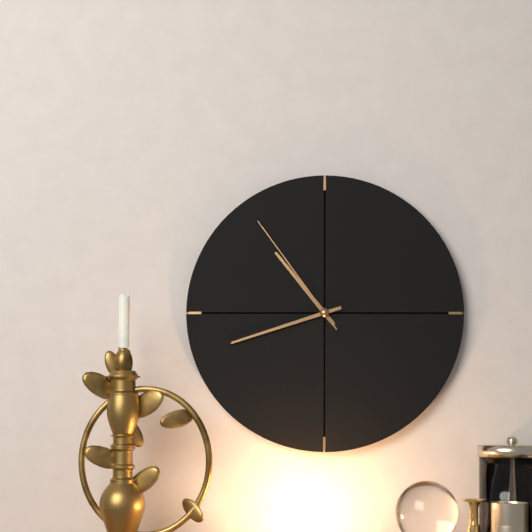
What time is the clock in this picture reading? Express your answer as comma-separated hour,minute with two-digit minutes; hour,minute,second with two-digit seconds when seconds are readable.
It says 10,42,54
